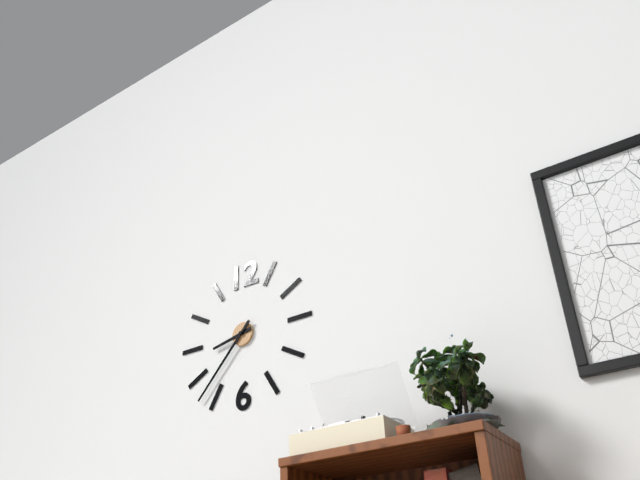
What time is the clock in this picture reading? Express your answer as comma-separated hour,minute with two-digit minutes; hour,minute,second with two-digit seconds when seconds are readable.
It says 8,37
